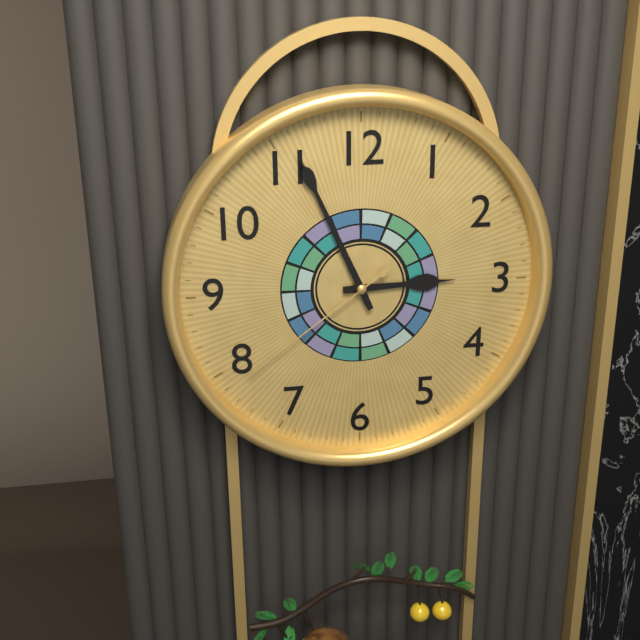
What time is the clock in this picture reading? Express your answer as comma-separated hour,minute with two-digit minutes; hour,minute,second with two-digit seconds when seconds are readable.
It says 2,56,39
